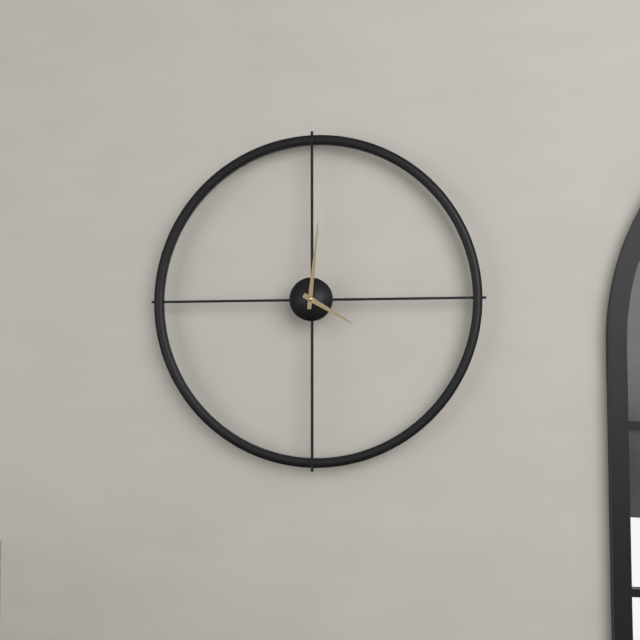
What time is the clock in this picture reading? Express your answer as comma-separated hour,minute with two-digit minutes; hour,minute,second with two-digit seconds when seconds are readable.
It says 4,01
